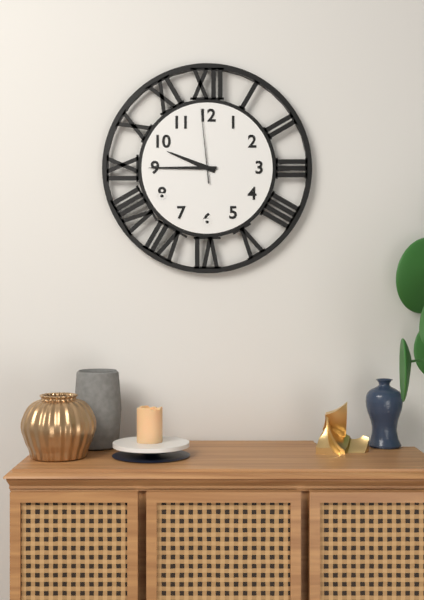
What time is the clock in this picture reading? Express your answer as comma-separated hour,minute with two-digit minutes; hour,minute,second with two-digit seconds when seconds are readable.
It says 9,45,59
